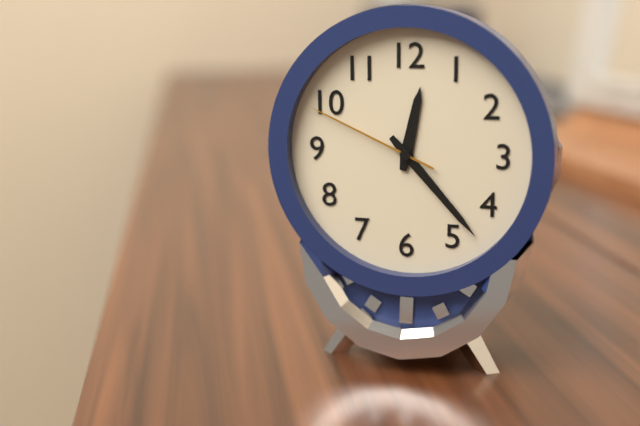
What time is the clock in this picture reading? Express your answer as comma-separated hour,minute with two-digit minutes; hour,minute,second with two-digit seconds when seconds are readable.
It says 12,23,49
